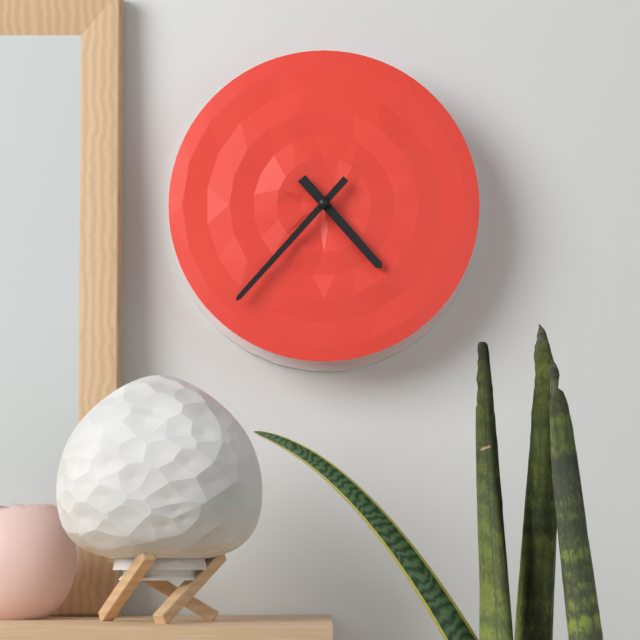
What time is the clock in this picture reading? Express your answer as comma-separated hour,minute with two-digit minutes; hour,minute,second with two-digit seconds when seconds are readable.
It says 4,37
